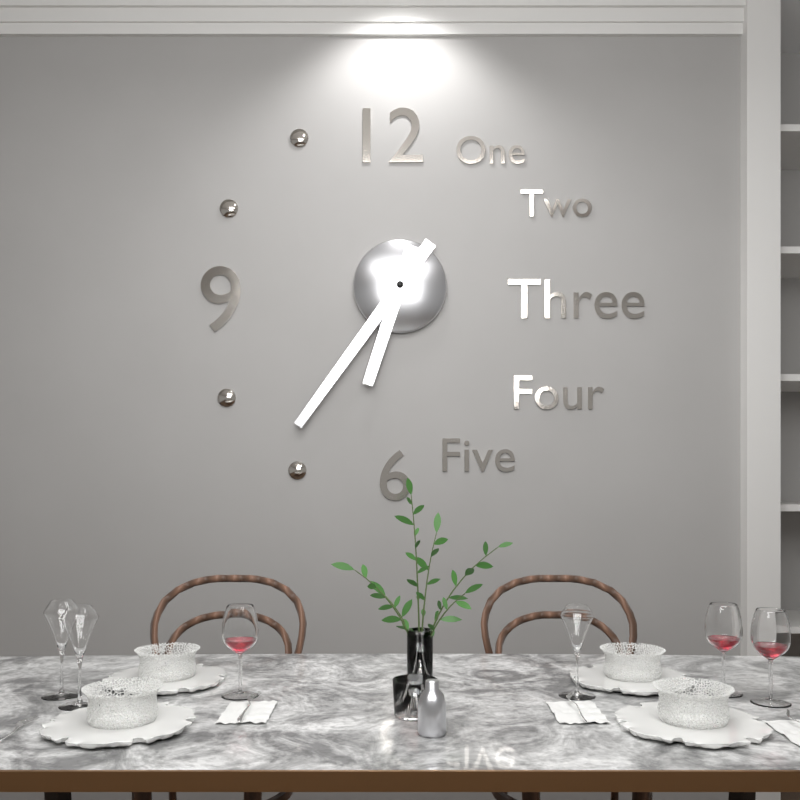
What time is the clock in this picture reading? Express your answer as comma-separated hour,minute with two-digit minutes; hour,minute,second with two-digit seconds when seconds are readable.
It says 6,36
